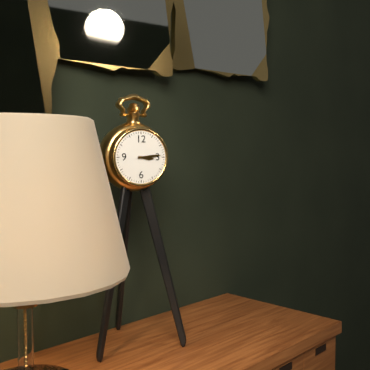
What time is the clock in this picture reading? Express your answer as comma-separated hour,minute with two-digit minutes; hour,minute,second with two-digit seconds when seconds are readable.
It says 3,14
